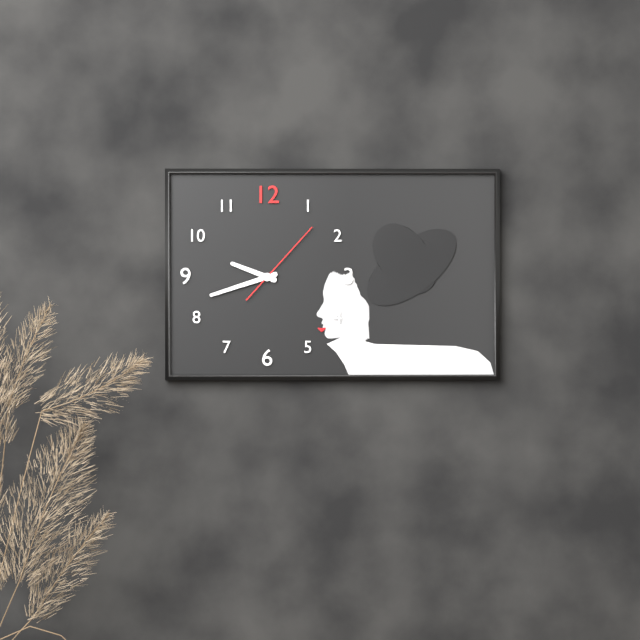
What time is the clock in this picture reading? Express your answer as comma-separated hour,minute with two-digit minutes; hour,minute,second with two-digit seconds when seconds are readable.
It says 9,42,07
